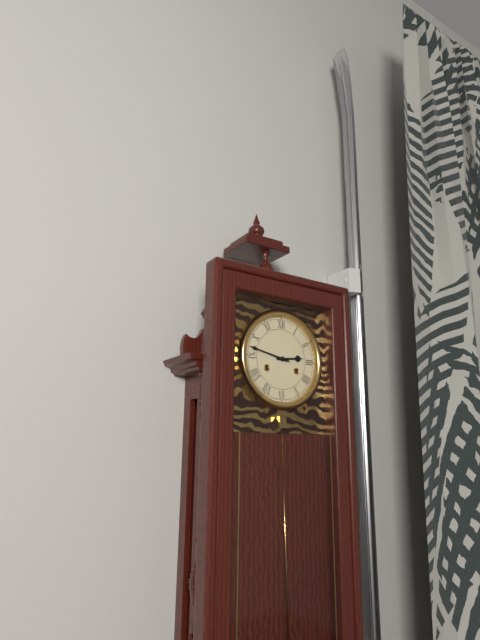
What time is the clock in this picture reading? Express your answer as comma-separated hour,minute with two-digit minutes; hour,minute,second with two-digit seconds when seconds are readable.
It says 2,47
